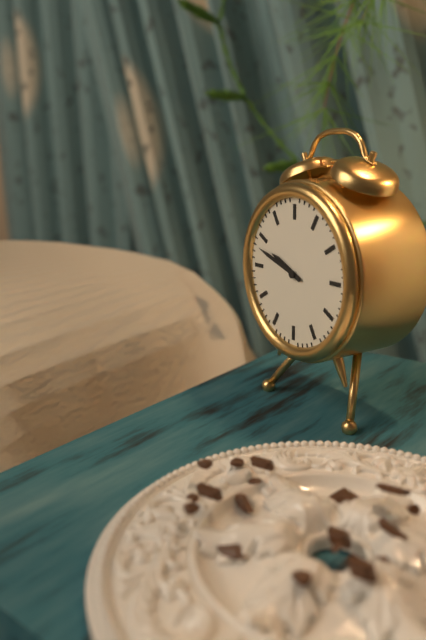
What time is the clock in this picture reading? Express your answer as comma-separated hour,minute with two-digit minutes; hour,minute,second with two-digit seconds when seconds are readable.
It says 9,48
